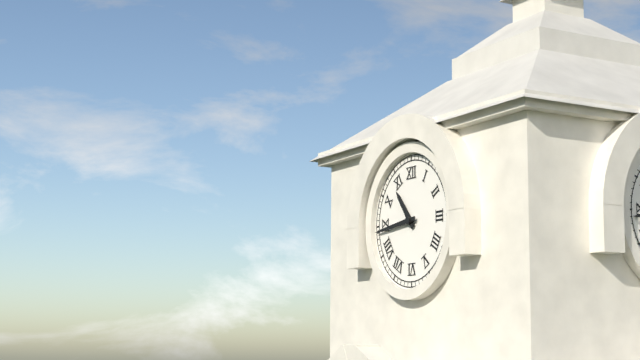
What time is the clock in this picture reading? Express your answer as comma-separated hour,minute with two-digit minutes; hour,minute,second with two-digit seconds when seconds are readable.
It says 10,44
